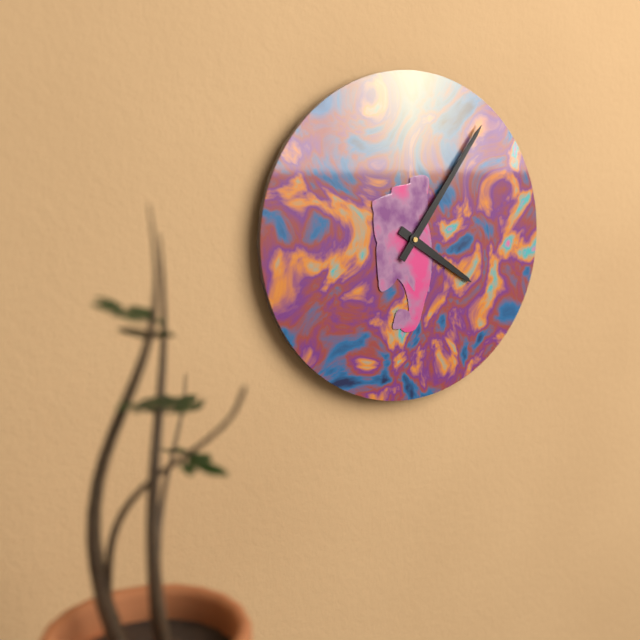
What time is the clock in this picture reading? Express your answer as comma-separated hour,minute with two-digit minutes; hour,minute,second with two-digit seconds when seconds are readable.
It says 4,06
